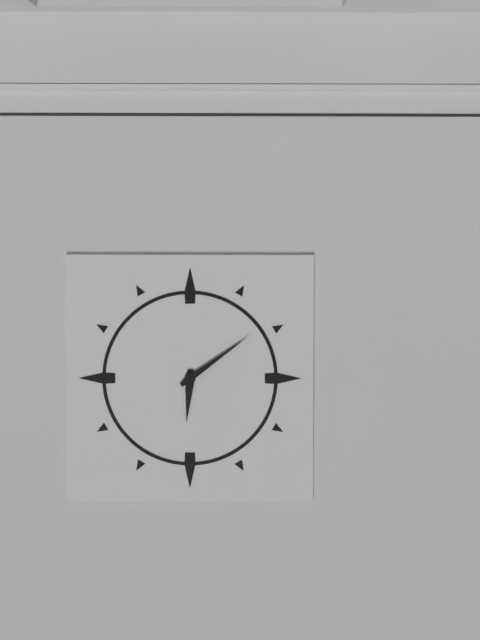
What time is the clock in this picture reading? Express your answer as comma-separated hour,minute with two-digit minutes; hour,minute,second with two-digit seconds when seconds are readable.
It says 6,09
